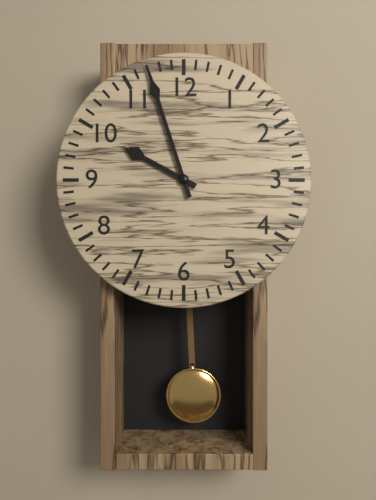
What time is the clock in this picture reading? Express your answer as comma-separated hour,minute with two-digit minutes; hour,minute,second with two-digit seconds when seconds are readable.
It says 9,57
